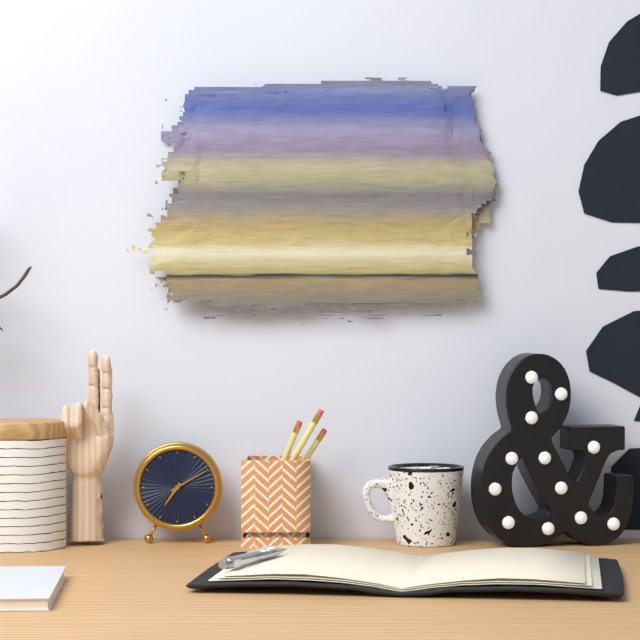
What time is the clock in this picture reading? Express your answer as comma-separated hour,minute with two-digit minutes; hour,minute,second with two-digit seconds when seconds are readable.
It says 7,10
